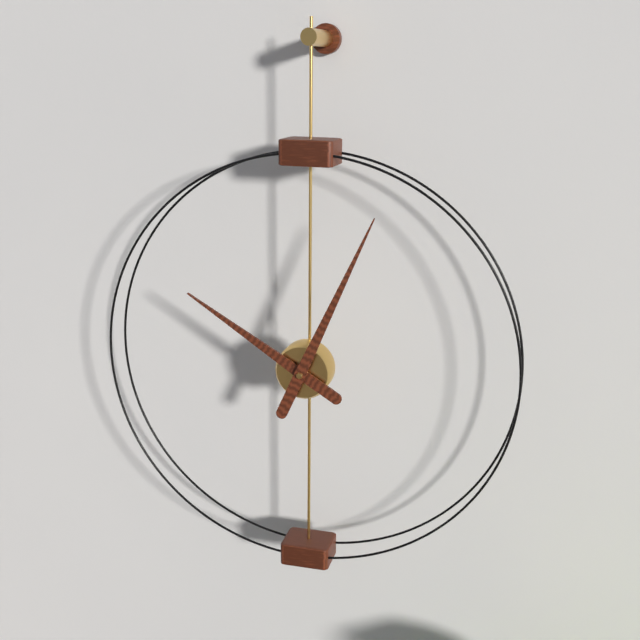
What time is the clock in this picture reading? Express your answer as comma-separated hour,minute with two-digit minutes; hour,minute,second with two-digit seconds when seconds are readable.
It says 10,04
